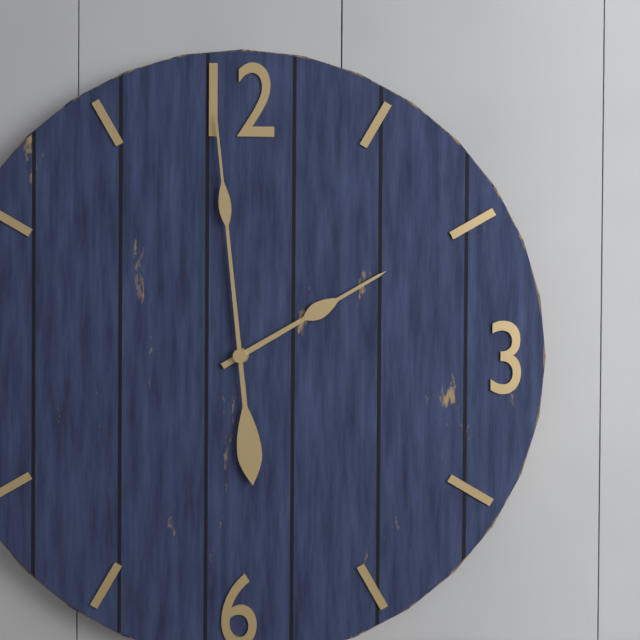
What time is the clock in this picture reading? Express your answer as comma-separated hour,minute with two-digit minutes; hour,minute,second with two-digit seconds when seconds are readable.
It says 1,59
